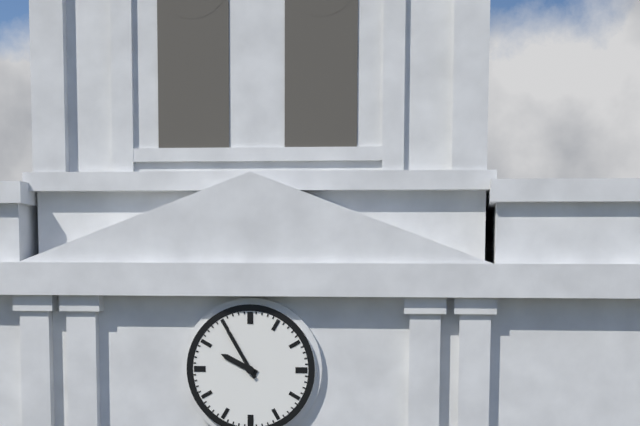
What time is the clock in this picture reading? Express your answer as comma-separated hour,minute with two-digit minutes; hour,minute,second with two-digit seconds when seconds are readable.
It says 9,55
